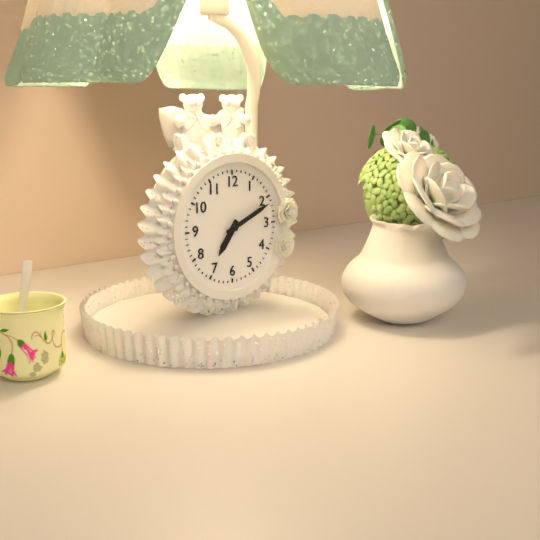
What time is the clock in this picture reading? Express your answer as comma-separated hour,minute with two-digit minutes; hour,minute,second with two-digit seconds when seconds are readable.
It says 7,11
